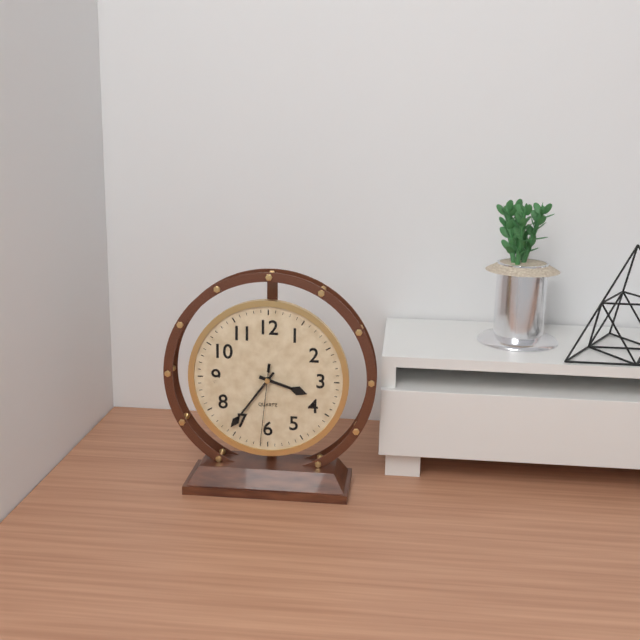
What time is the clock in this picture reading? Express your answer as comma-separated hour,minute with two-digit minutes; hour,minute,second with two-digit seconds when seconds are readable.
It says 3,36,31
